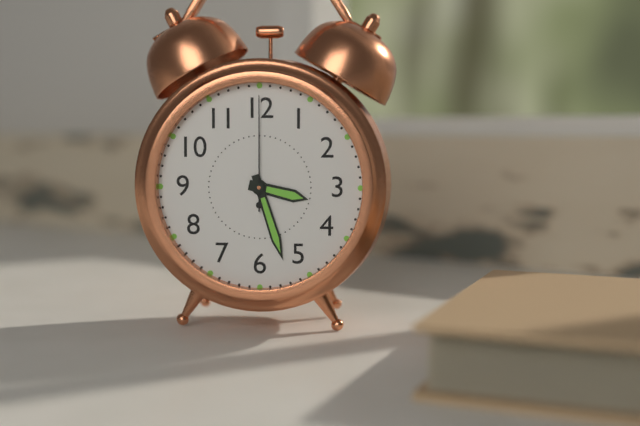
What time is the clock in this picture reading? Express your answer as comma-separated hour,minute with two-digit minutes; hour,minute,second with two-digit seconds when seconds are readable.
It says 3,27,00
